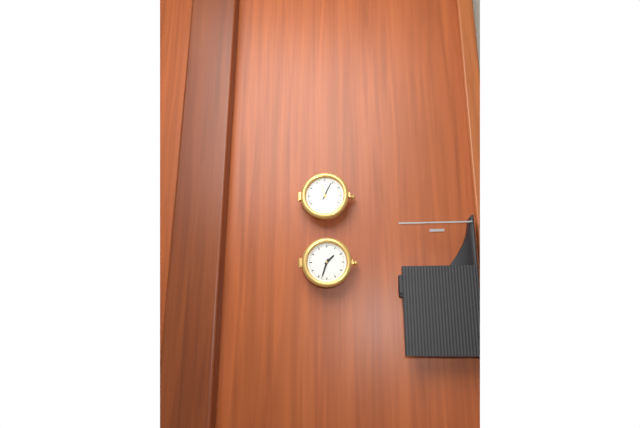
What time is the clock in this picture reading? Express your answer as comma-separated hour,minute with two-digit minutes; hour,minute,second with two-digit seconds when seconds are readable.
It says 1,33
